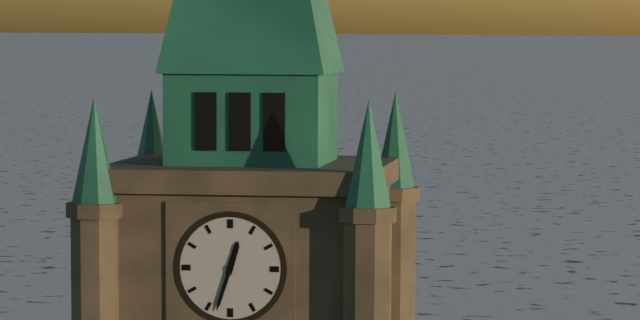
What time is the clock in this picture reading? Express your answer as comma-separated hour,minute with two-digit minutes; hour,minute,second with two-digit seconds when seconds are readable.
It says 12,33
